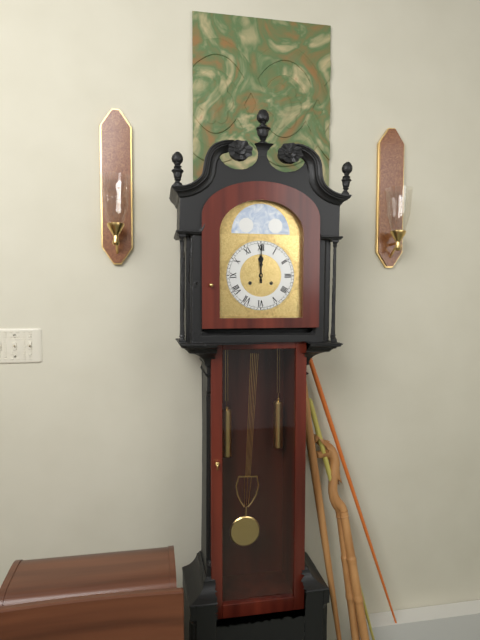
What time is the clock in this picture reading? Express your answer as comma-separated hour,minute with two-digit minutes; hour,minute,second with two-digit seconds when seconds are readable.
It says 12,00
